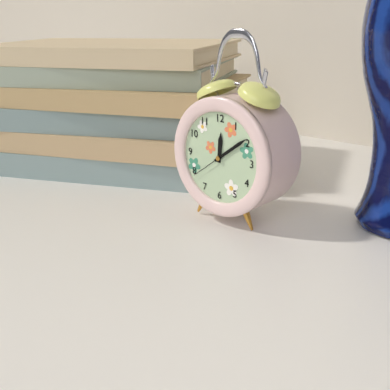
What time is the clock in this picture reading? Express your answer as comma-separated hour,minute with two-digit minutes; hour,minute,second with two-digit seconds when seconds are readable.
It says 12,09
